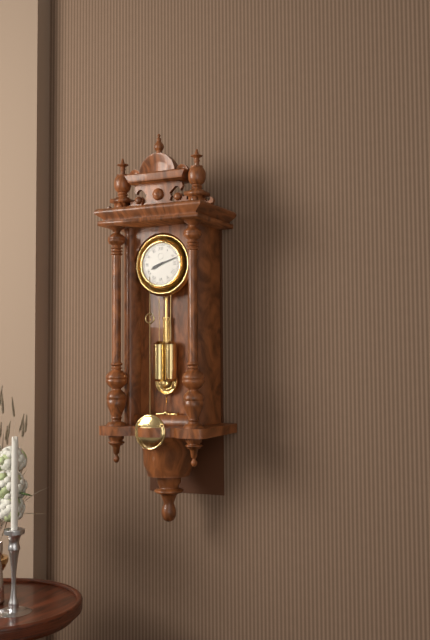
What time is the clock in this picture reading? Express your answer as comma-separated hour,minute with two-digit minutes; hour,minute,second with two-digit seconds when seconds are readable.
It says 8,12
